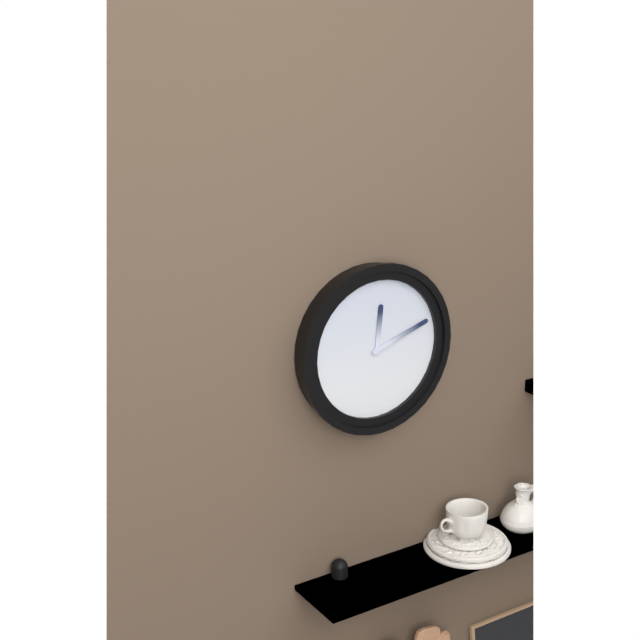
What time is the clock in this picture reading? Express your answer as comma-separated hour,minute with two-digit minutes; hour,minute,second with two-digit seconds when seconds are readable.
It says 12,12
